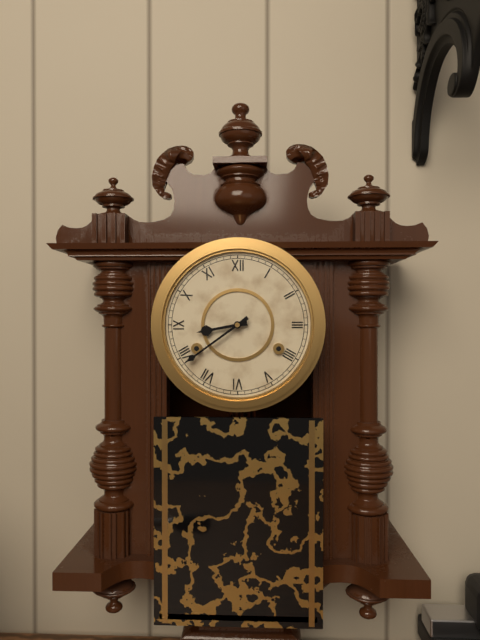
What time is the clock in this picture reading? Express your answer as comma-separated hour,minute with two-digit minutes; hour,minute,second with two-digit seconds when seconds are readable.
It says 8,39
